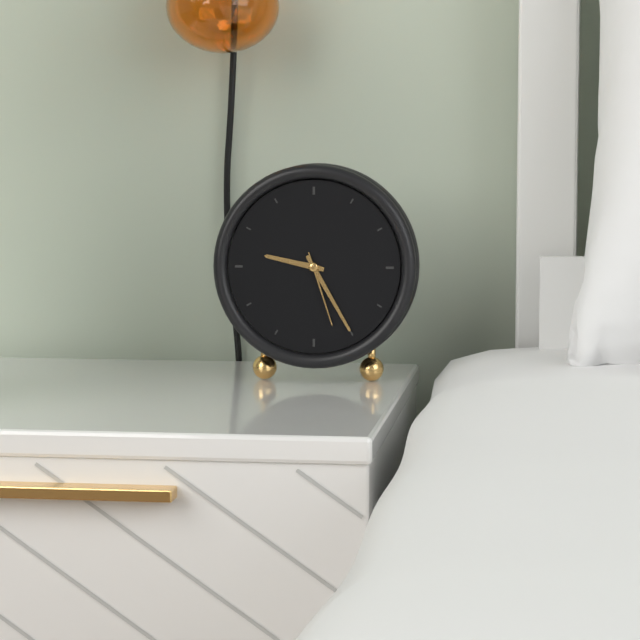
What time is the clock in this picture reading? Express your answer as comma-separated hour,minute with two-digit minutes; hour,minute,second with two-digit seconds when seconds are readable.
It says 9,25,27
